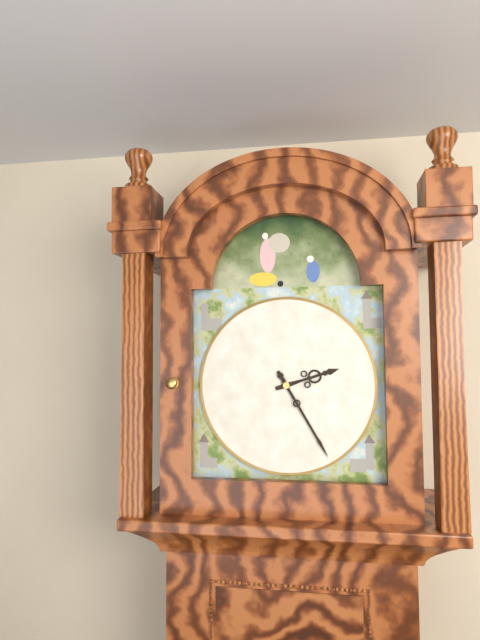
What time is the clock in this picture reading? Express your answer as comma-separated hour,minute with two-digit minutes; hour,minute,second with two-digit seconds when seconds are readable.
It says 2,25
